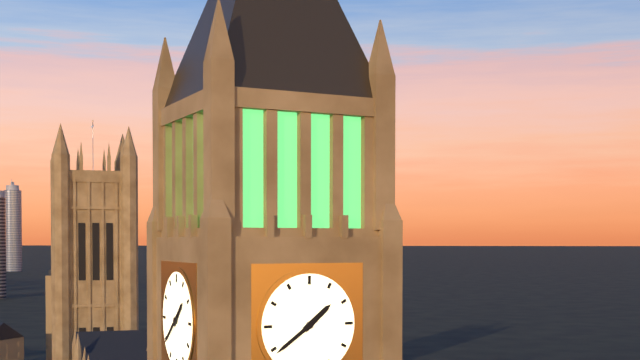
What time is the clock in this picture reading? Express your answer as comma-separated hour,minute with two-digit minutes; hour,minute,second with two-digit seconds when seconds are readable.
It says 1,39
